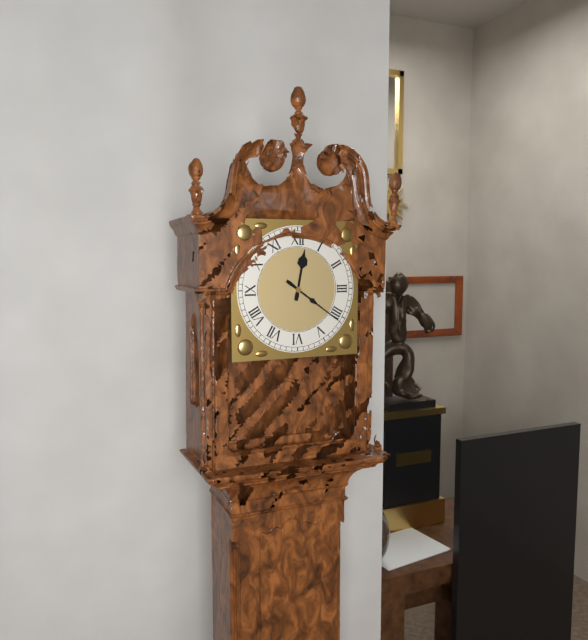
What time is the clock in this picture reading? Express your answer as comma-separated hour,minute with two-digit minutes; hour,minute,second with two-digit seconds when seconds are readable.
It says 12,21
